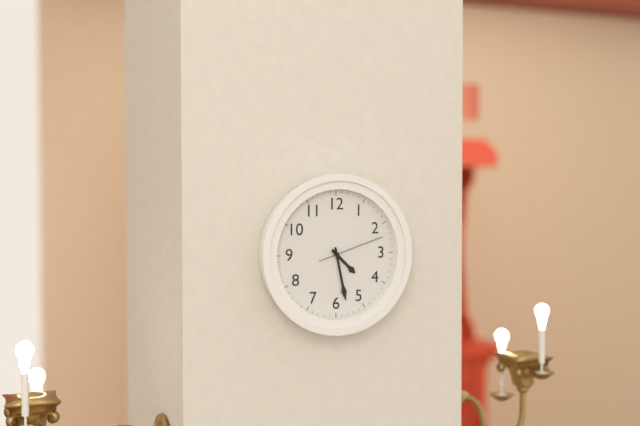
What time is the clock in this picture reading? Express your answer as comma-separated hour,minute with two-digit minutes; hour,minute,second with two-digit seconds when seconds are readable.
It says 4,28,12
